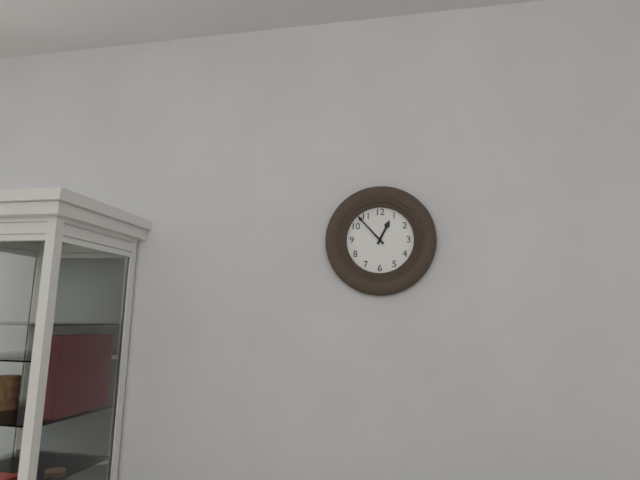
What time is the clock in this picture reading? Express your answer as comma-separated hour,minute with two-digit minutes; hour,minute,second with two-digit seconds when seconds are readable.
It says 12,53
